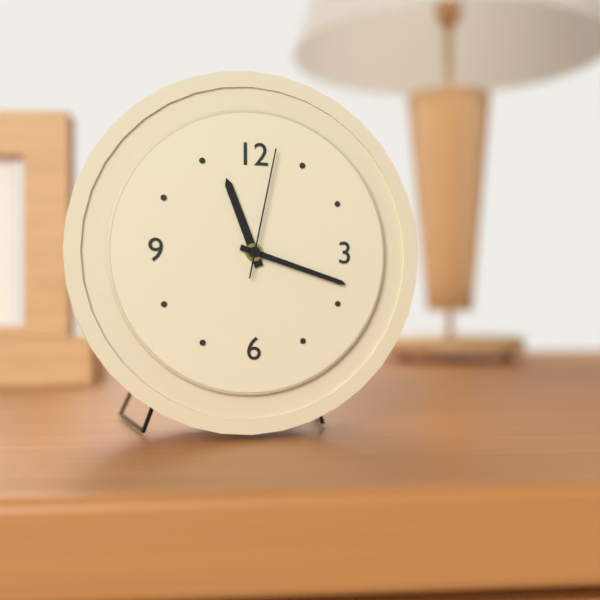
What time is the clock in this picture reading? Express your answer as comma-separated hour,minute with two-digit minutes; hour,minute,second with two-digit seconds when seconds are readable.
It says 11,18,02
